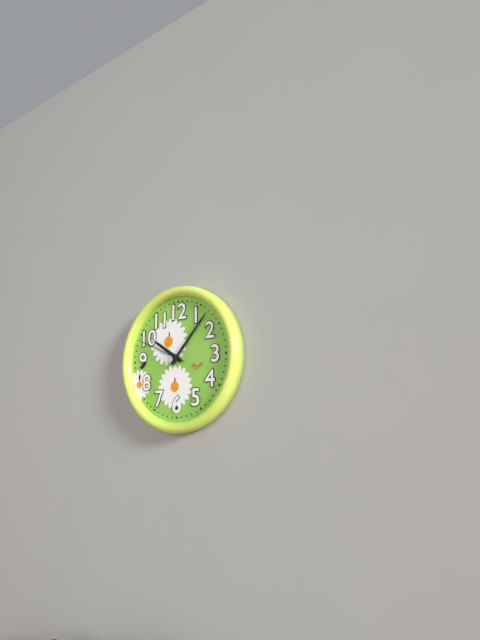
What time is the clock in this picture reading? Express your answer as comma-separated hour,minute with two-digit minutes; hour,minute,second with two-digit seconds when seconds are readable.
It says 10,07,49
